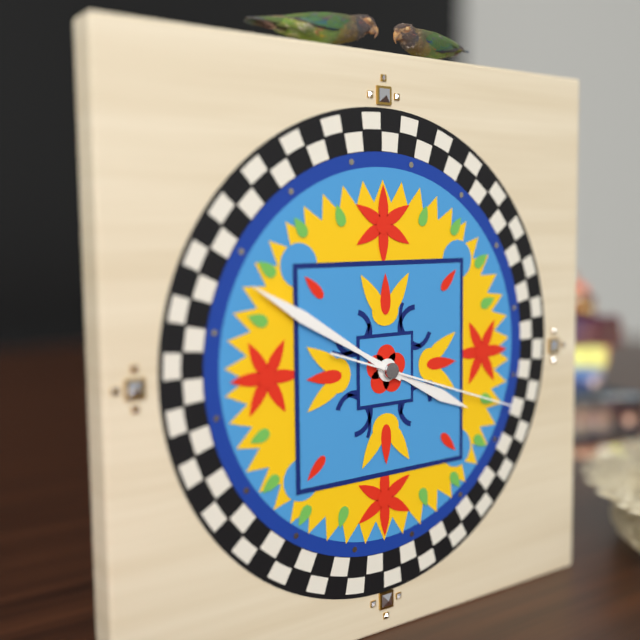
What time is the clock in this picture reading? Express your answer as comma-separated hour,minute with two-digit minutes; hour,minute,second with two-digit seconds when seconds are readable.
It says 3,50,18
